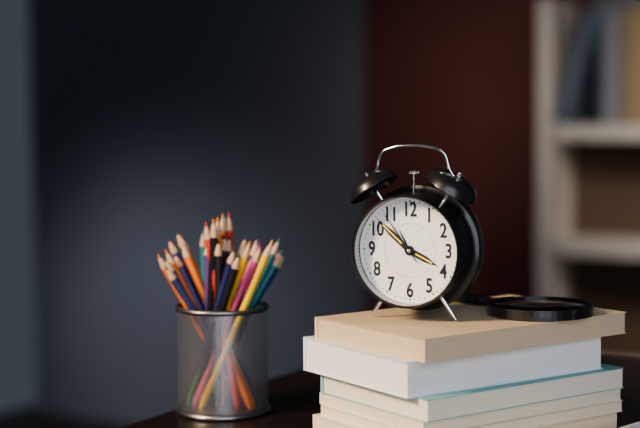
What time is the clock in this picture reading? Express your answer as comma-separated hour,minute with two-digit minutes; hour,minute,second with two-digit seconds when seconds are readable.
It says 3,52,54
